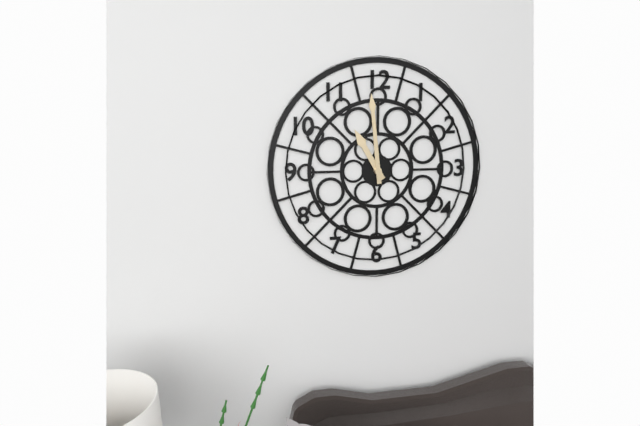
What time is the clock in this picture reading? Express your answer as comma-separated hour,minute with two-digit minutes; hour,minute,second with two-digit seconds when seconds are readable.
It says 10,59
